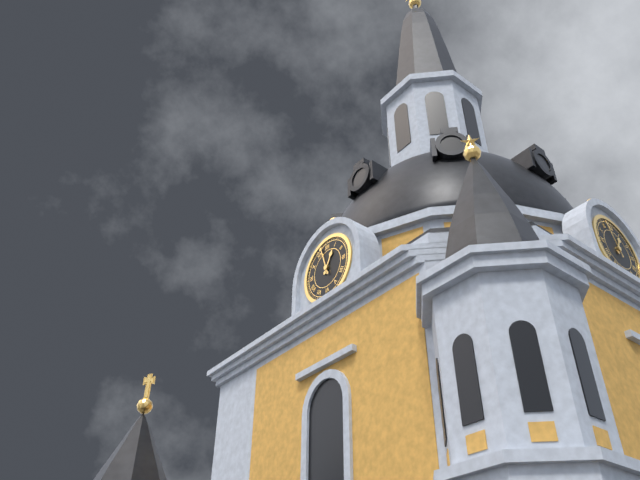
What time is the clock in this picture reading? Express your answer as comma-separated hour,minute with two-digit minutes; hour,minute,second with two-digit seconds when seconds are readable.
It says 12,57
